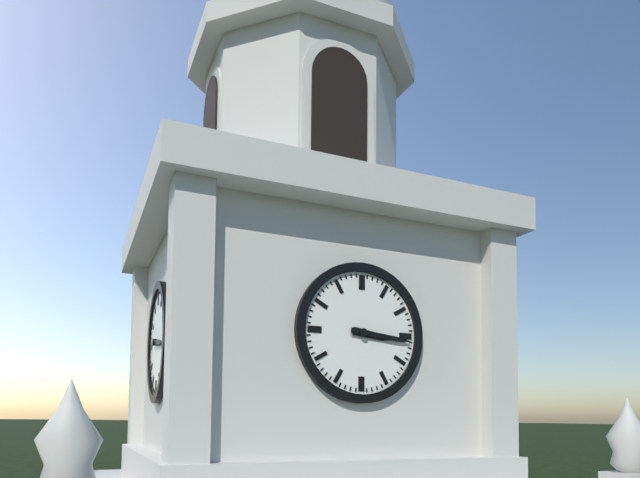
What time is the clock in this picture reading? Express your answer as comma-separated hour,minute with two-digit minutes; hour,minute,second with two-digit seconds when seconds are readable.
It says 3,16
